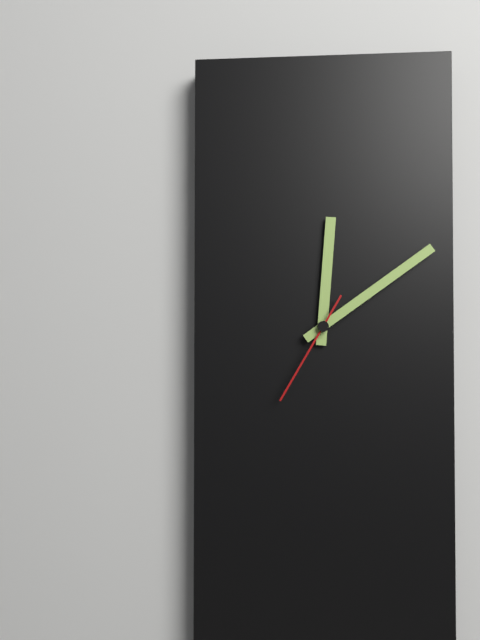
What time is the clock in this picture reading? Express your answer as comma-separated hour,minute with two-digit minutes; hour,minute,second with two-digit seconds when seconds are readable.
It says 12,09,35
